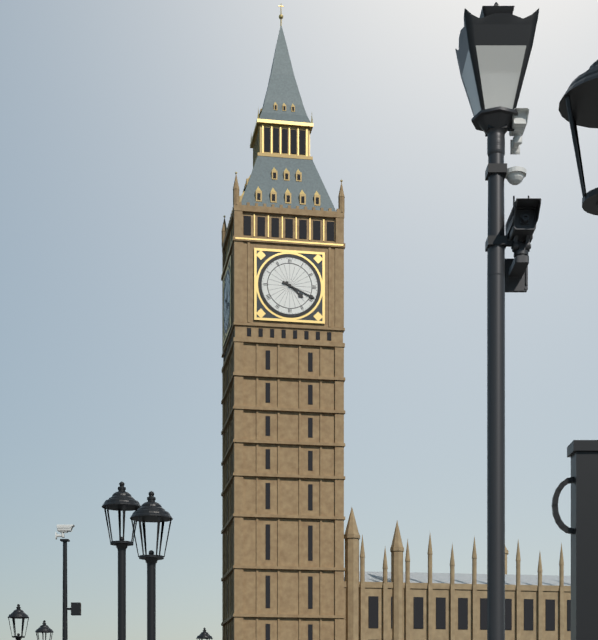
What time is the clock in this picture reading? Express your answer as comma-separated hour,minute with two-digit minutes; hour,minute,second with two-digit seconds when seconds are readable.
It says 4,19
